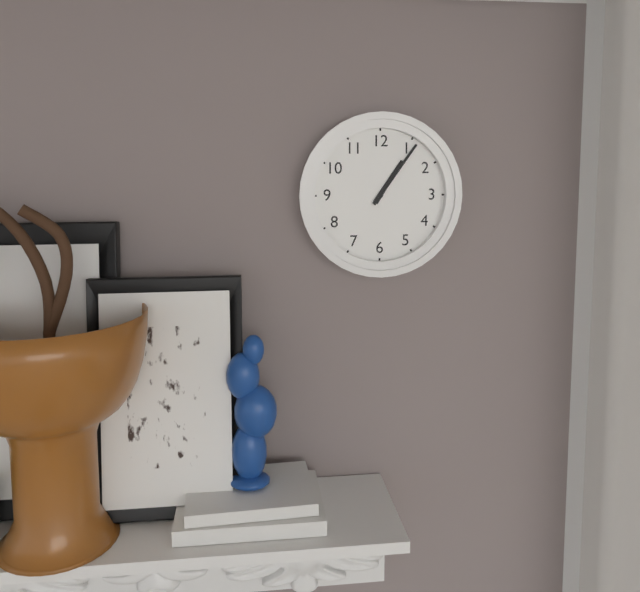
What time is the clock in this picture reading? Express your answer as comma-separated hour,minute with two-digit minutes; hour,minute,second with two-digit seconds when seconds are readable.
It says 1,06
